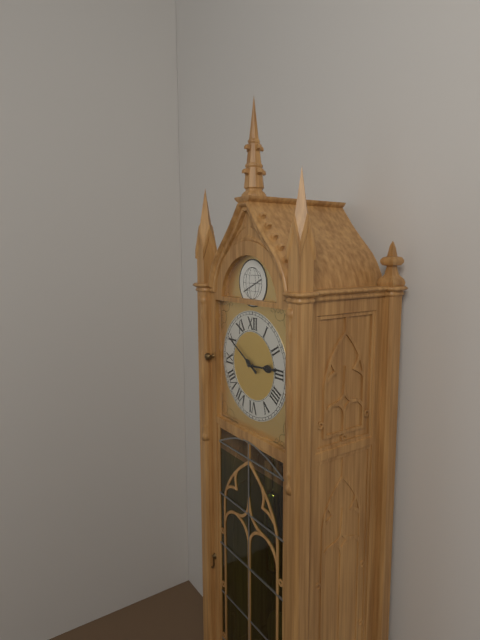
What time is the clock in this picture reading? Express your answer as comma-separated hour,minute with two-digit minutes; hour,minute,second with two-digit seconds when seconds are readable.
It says 2,50
